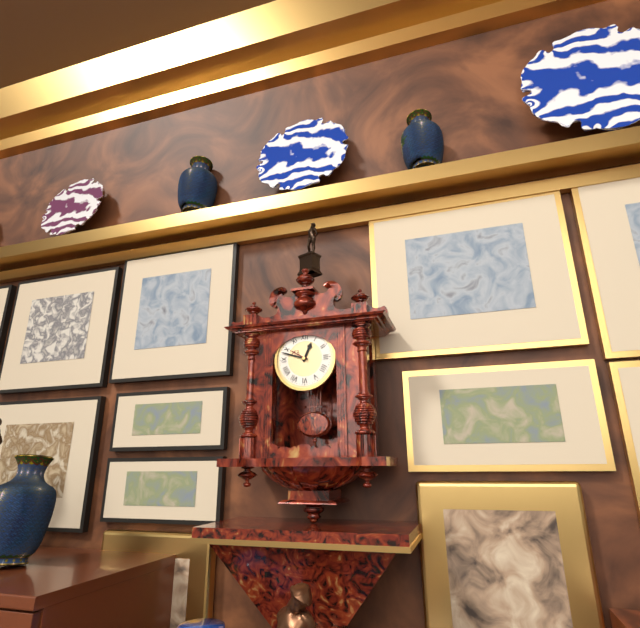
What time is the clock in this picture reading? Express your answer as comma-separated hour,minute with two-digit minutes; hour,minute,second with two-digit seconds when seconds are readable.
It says 12,48
